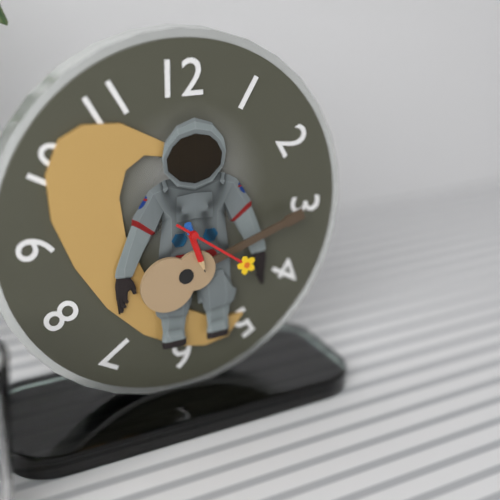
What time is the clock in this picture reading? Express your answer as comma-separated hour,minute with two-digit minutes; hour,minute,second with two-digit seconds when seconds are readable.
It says 5,21
